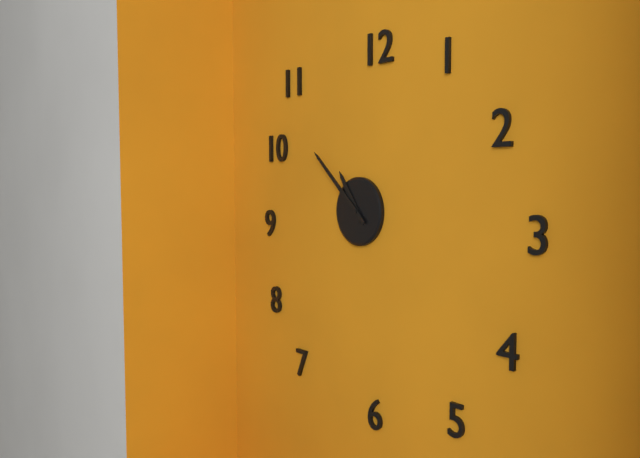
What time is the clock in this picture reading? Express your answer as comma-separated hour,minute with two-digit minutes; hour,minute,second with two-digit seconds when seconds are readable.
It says 10,52
